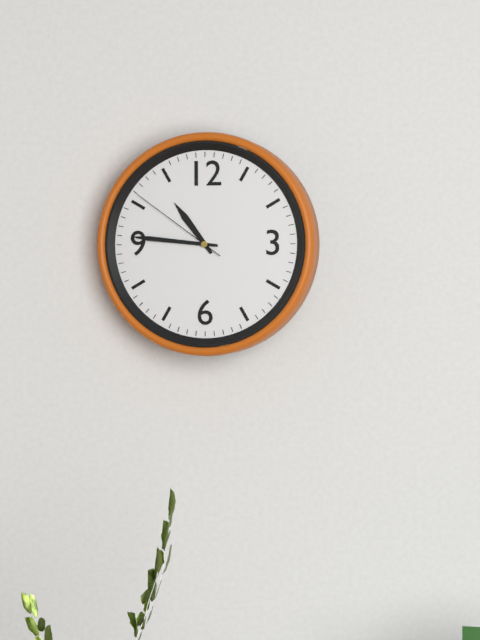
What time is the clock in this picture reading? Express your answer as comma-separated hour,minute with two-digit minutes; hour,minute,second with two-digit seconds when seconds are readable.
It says 10,46,51
